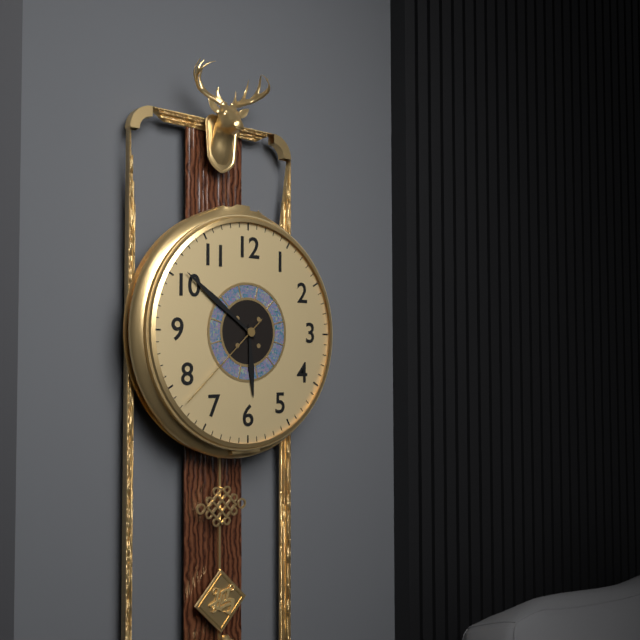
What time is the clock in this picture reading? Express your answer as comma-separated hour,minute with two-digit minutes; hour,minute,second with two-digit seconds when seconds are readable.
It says 5,51,38
